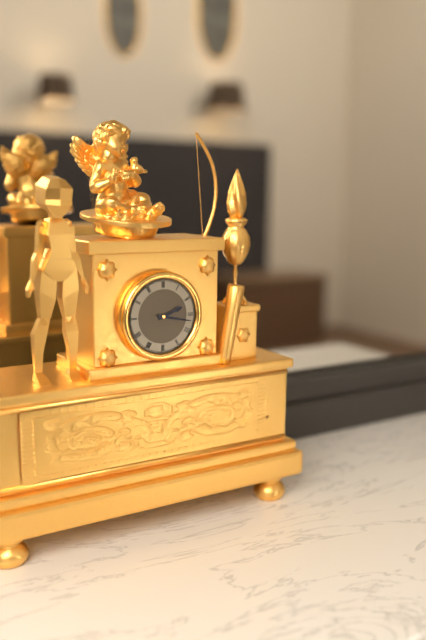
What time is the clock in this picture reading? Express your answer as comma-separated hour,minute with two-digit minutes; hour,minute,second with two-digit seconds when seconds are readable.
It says 2,17
